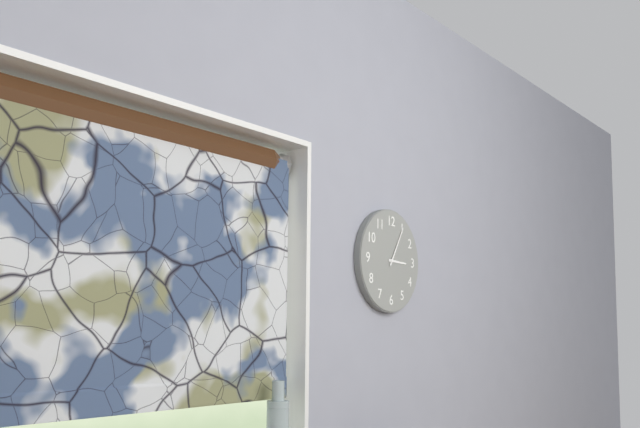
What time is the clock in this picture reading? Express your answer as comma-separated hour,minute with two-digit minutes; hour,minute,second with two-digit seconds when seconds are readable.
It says 3,05
